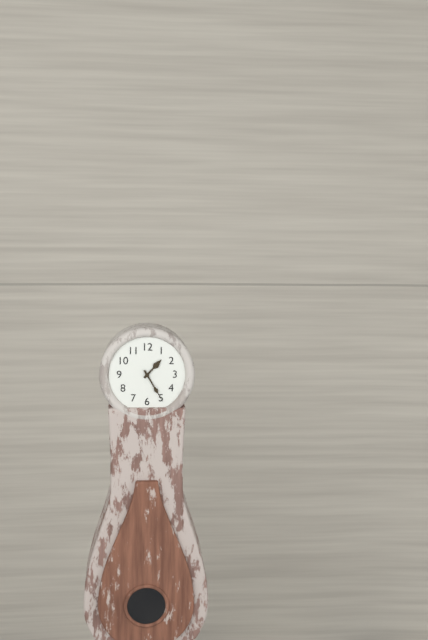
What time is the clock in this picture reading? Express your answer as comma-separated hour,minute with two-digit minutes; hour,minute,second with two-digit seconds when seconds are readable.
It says 1,25
